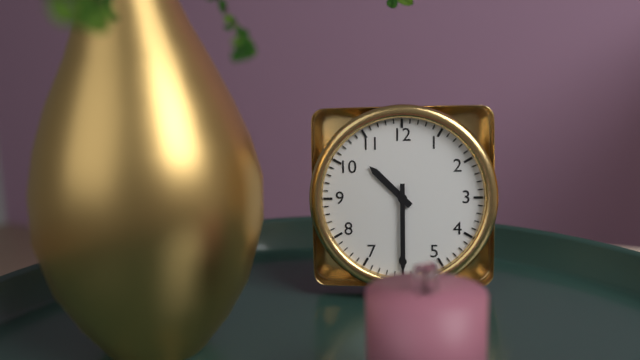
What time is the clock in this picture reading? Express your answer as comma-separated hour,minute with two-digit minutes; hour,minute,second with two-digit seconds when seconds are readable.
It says 10,30
